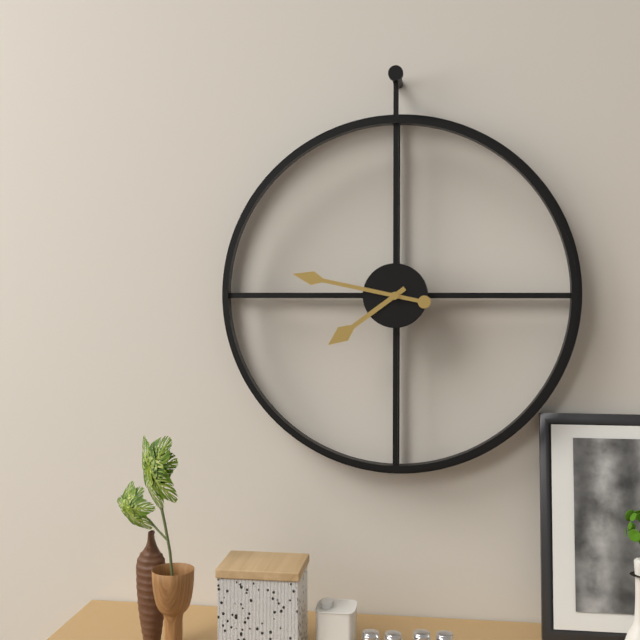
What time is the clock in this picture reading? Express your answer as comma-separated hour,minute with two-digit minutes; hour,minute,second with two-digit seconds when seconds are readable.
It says 7,47
